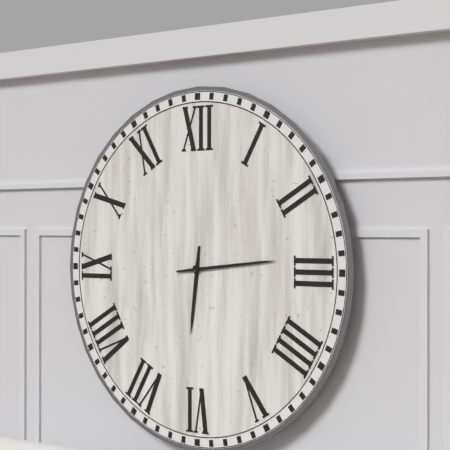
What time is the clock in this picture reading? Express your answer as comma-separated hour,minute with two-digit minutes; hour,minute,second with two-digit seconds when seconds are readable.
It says 6,14
